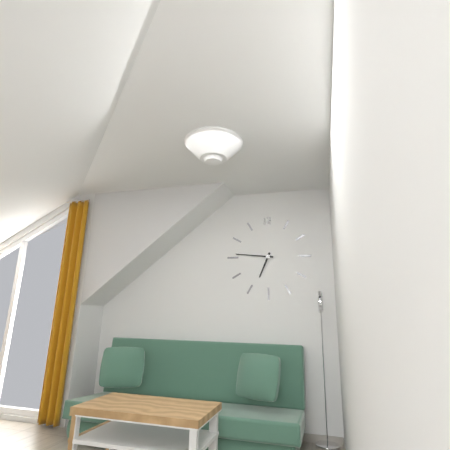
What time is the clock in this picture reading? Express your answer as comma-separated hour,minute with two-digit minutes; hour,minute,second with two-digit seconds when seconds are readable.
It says 6,46
